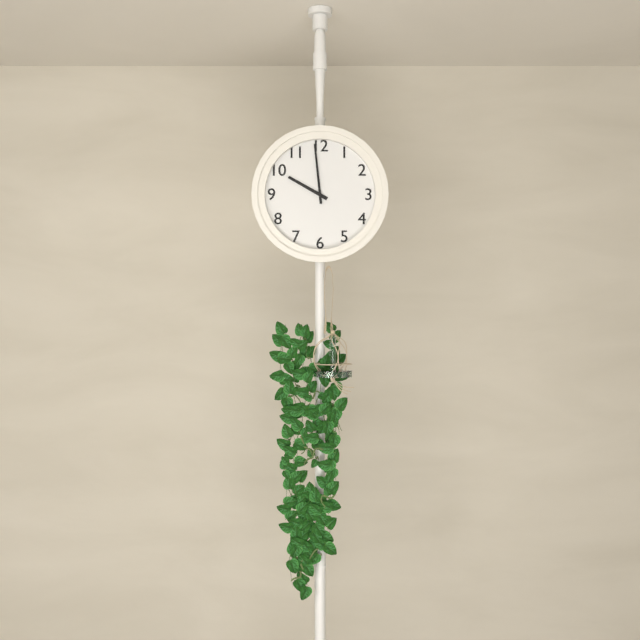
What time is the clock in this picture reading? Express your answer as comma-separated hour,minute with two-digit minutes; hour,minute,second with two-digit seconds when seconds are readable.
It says 9,59
